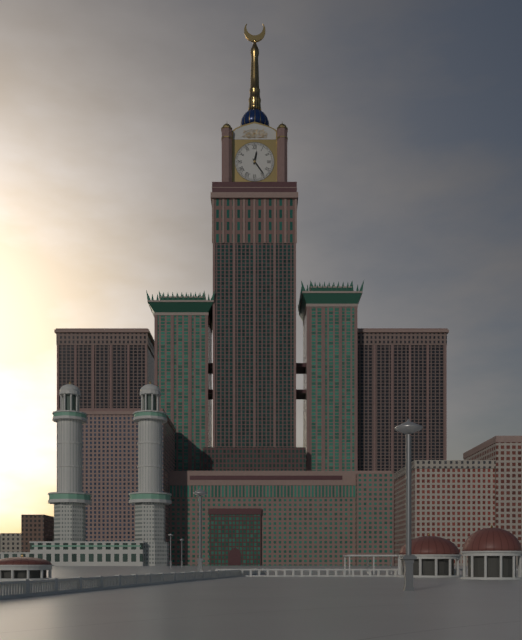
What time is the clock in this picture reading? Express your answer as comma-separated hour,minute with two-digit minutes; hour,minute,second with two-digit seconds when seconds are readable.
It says 12,24
